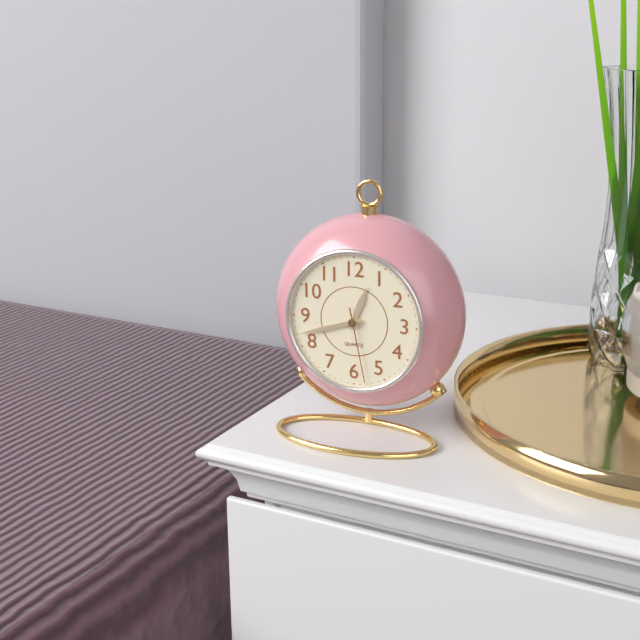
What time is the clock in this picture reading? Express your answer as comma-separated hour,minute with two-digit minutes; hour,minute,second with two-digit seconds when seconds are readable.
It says 12,42,28
